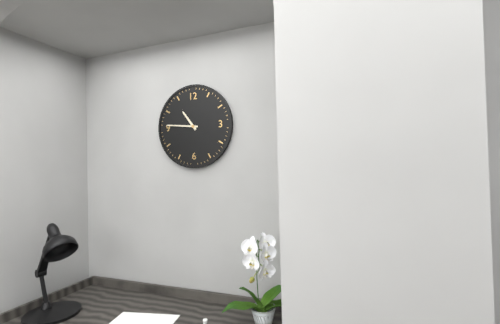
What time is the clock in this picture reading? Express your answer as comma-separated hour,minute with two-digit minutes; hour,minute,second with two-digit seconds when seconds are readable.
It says 10,46
